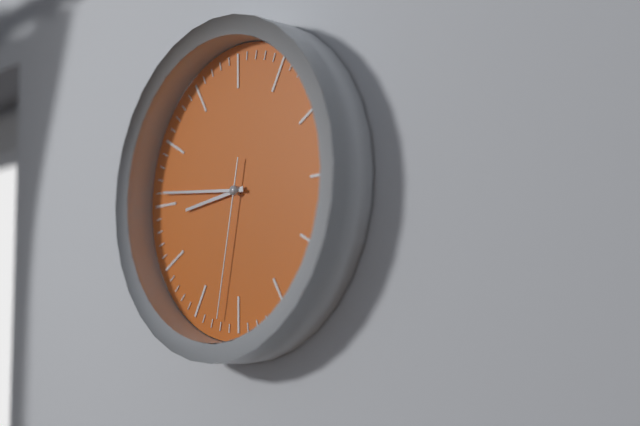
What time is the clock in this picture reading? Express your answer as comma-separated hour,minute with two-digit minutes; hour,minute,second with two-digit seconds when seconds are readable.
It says 8,46,32
